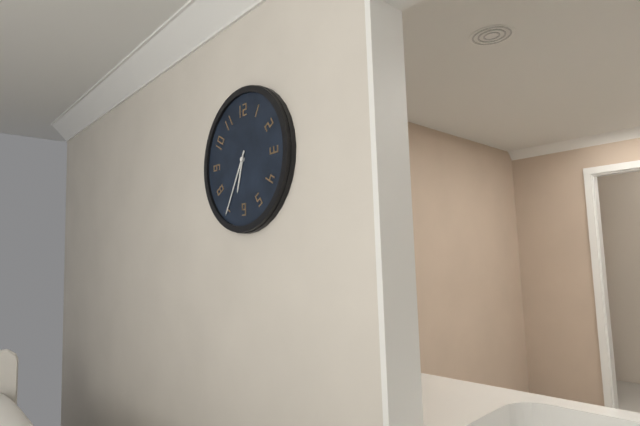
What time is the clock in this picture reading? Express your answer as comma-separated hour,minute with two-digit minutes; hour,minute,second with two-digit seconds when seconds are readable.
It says 6,35
